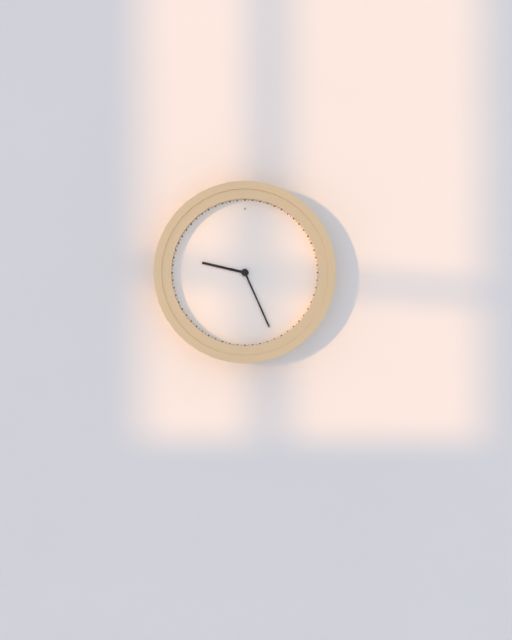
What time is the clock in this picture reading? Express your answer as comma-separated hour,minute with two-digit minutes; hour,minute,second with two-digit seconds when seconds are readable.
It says 9,26
